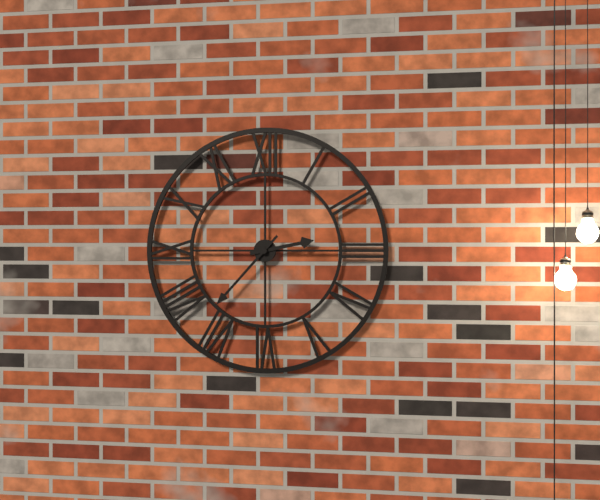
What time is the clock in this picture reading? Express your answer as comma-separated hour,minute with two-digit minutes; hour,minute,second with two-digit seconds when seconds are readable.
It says 2,37
